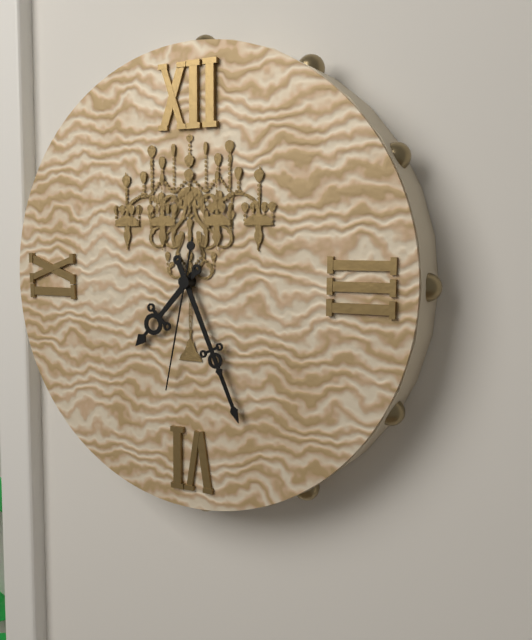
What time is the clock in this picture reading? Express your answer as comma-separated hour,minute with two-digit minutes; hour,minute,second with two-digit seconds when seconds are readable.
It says 7,26,32
